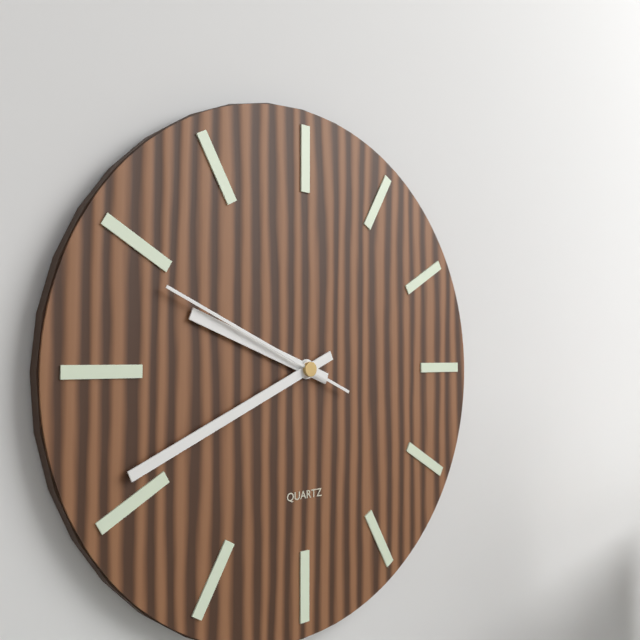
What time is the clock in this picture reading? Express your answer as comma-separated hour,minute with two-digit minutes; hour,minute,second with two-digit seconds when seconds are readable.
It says 9,41,49
